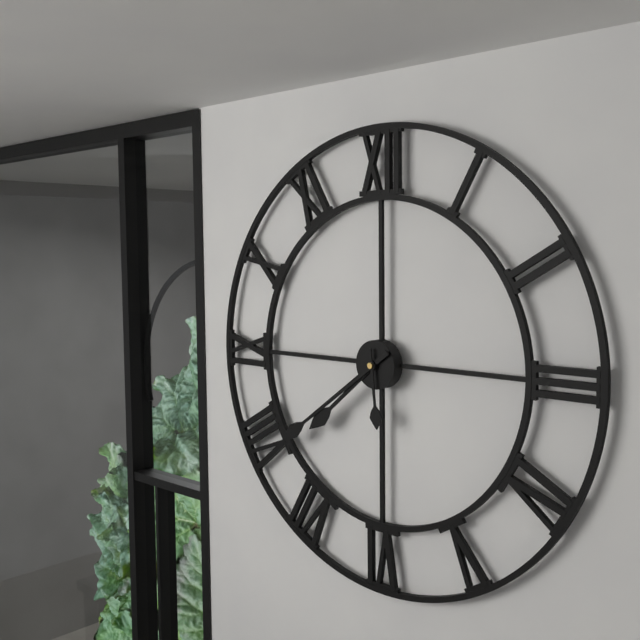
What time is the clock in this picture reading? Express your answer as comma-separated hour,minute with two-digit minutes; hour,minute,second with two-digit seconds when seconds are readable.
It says 7,39,29
